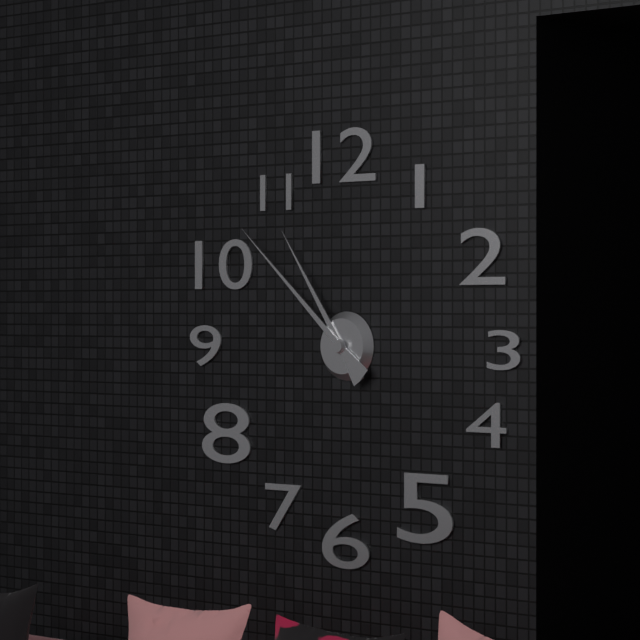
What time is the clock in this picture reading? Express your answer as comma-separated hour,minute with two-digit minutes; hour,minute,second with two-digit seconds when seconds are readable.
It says 10,52
